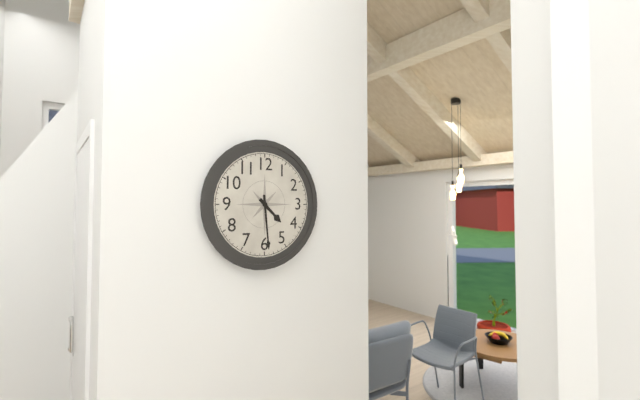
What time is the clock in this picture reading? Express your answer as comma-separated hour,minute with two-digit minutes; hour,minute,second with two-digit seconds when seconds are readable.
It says 4,29
